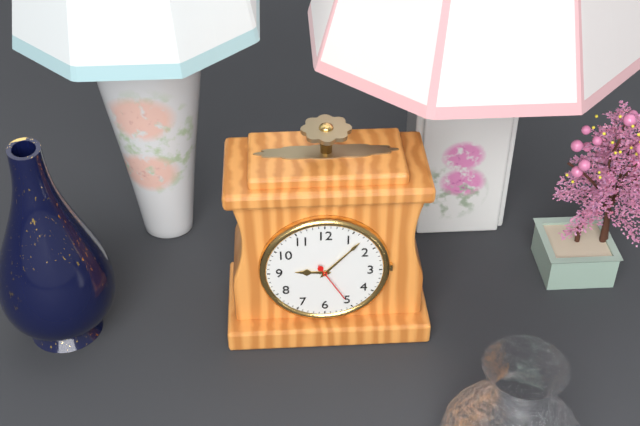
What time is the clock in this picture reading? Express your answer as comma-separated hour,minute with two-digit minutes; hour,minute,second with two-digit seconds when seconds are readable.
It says 9,07
